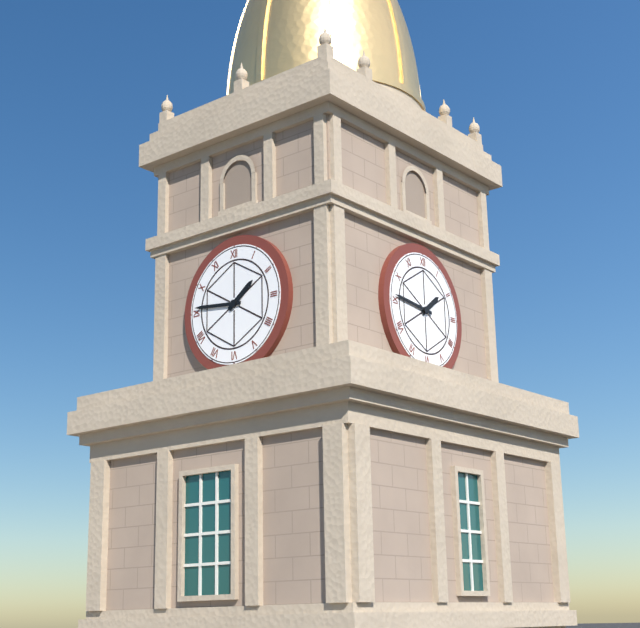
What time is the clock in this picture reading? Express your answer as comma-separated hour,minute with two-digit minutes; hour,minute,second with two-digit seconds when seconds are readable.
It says 1,46
